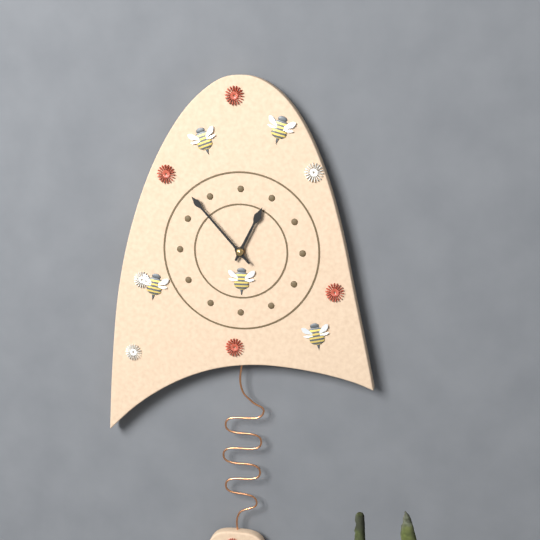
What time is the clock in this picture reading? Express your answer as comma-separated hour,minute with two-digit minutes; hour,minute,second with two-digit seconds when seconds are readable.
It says 12,53
